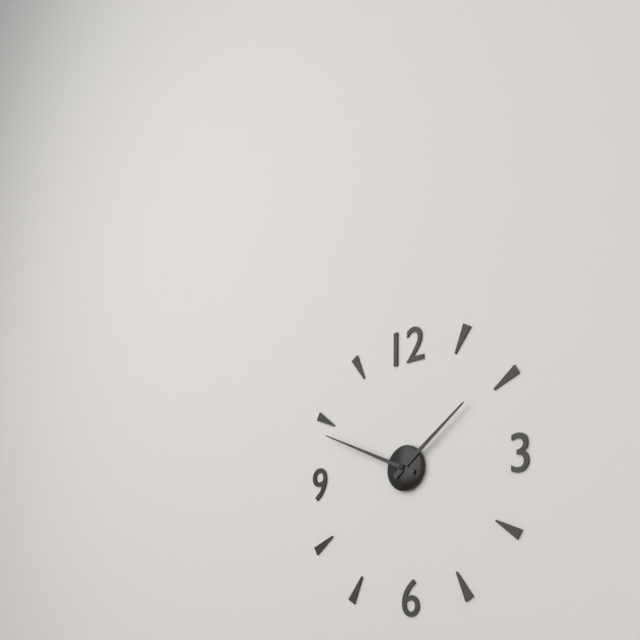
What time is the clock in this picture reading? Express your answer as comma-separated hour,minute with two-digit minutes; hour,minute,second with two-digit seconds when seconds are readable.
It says 1,49
